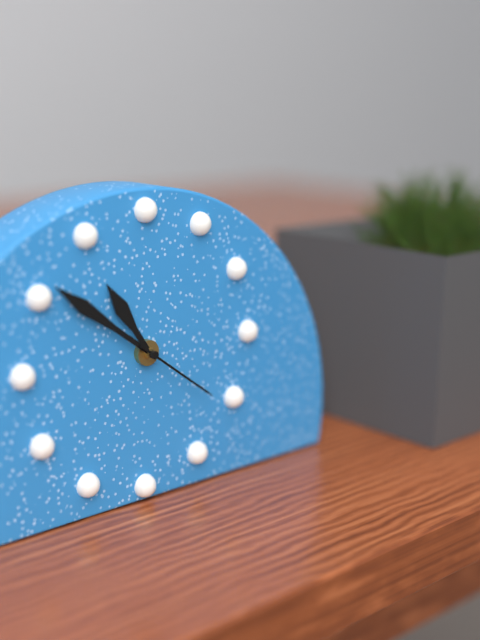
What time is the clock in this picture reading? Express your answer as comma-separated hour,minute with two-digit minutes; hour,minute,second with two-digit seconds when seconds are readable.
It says 10,51,21
